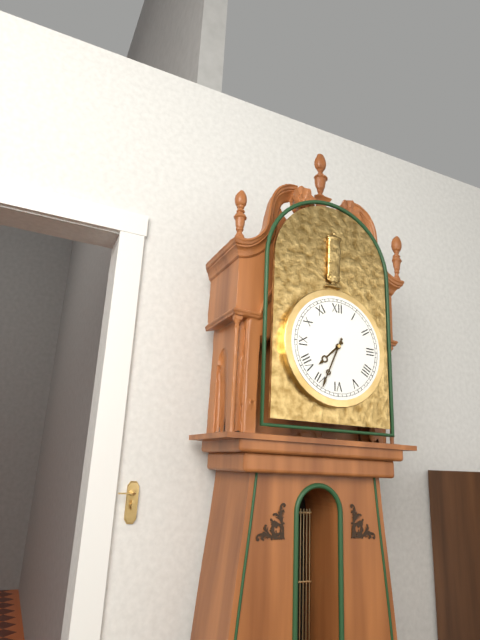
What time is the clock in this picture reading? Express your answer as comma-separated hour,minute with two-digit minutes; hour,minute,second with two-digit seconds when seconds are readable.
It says 7,34
